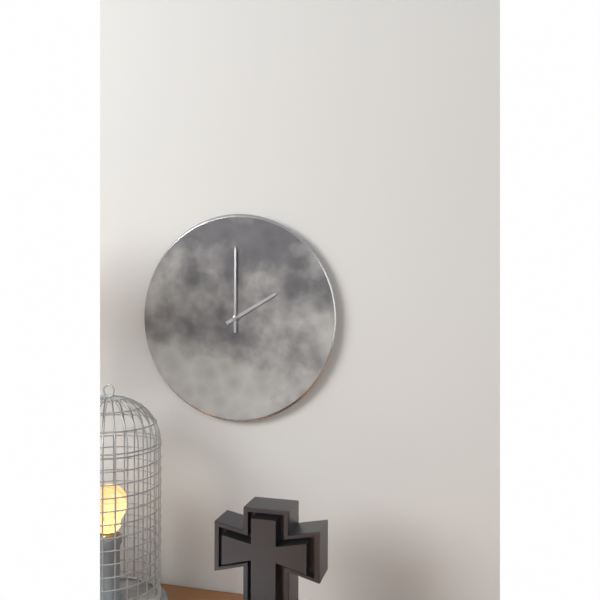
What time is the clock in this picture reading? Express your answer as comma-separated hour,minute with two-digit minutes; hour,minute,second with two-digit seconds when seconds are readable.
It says 2,00
